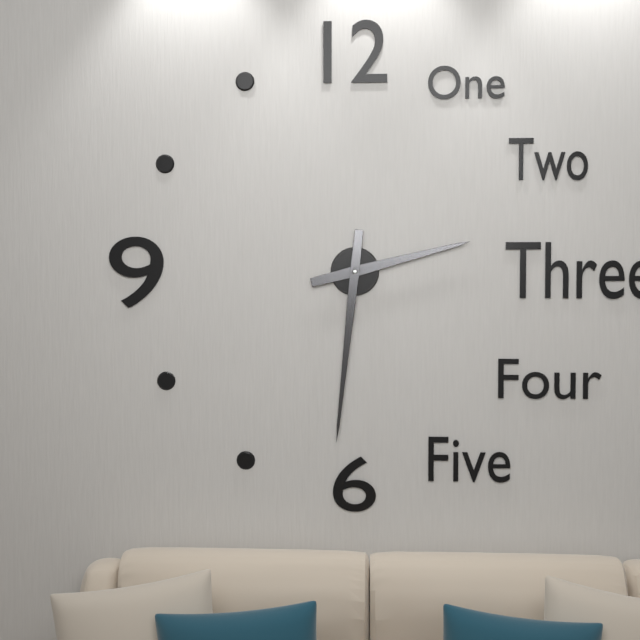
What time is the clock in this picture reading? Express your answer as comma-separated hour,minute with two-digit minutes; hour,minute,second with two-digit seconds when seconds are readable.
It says 2,31
